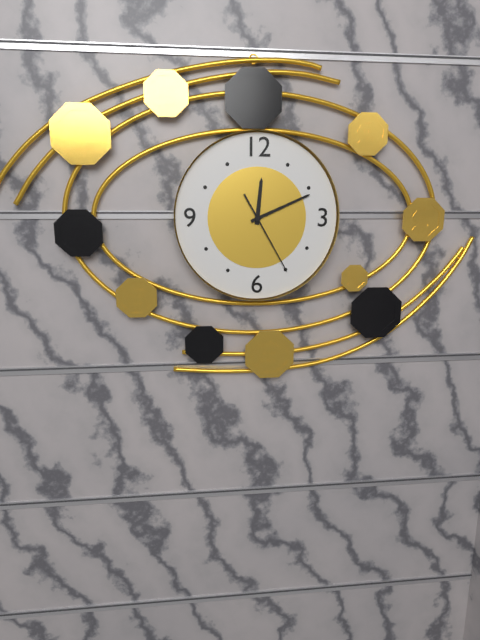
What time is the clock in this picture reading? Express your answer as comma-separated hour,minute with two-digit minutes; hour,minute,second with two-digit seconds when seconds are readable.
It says 12,11,25
